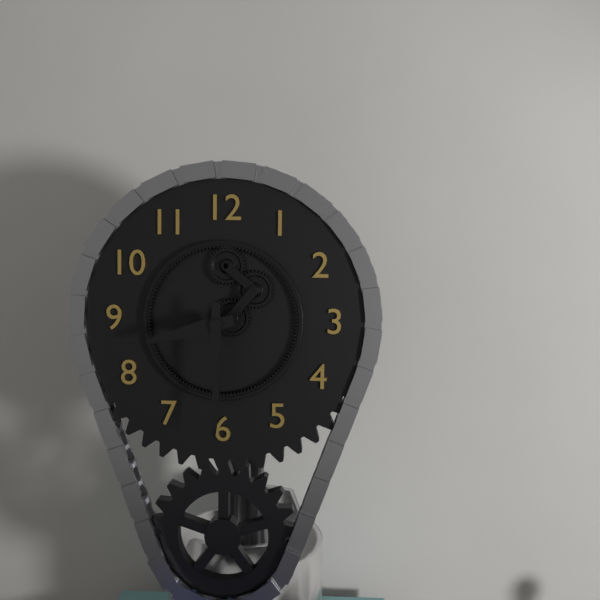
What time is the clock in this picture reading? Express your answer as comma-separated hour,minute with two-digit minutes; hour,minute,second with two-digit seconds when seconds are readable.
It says 8,30
